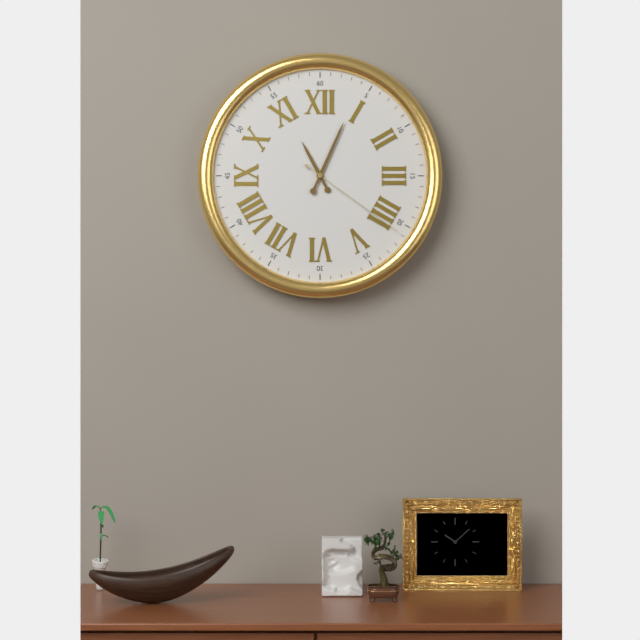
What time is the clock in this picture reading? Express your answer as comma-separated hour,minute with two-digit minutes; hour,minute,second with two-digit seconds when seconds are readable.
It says 11,04,21
